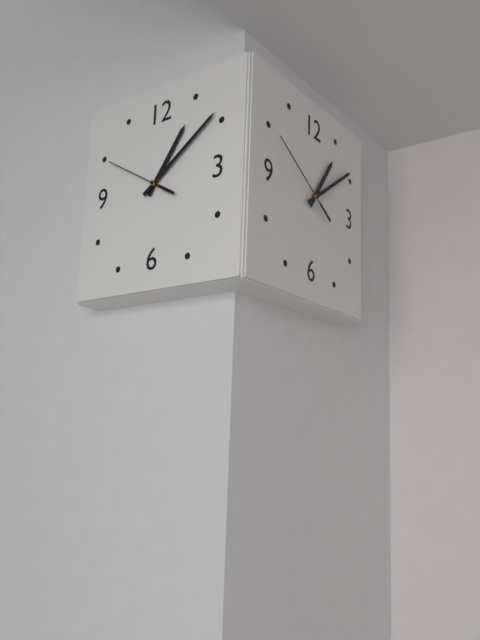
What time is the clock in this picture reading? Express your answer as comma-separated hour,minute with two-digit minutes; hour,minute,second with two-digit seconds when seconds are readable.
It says 1,09,50
